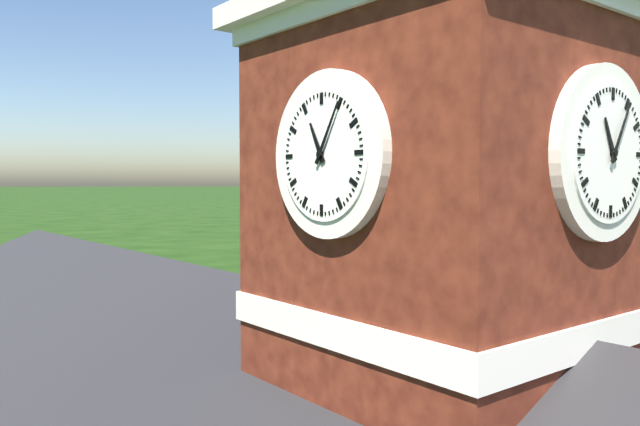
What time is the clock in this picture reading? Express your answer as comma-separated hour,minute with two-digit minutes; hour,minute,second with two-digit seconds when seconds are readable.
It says 11,05
